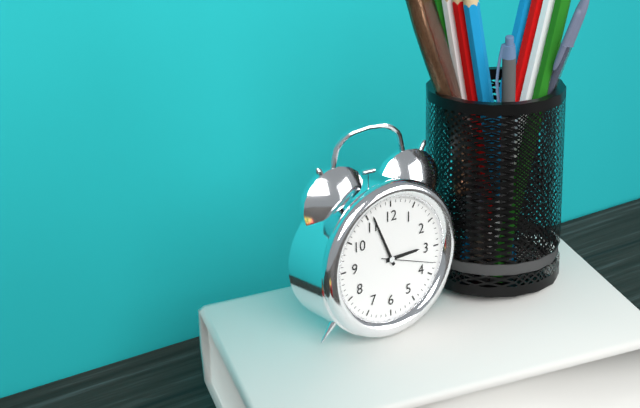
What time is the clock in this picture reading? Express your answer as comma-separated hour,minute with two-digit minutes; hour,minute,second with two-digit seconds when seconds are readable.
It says 2,56,18
